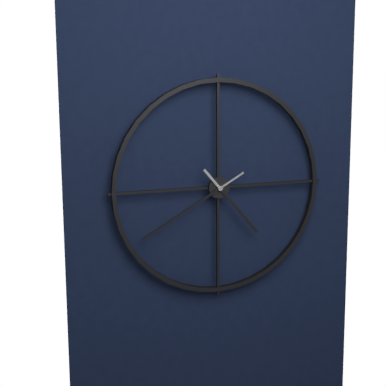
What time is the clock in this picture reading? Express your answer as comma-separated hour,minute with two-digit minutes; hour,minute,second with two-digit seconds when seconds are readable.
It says 4,40
